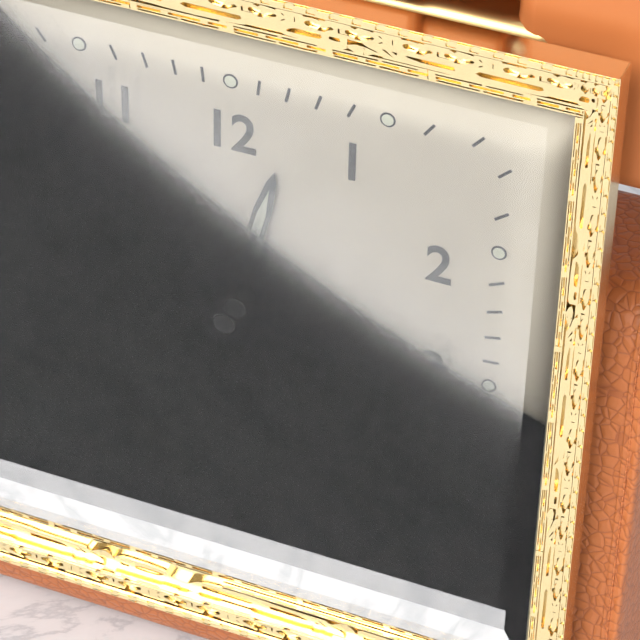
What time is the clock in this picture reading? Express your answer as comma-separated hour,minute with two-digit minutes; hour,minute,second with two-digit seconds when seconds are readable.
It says 12,29
